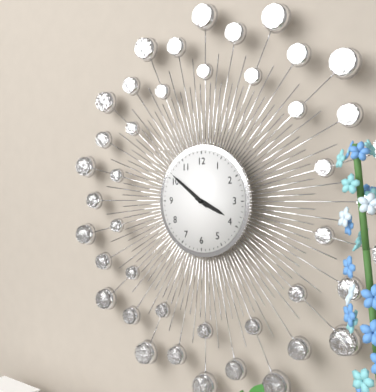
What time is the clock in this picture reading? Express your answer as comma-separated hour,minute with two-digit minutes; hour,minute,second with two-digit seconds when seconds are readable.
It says 3,51
